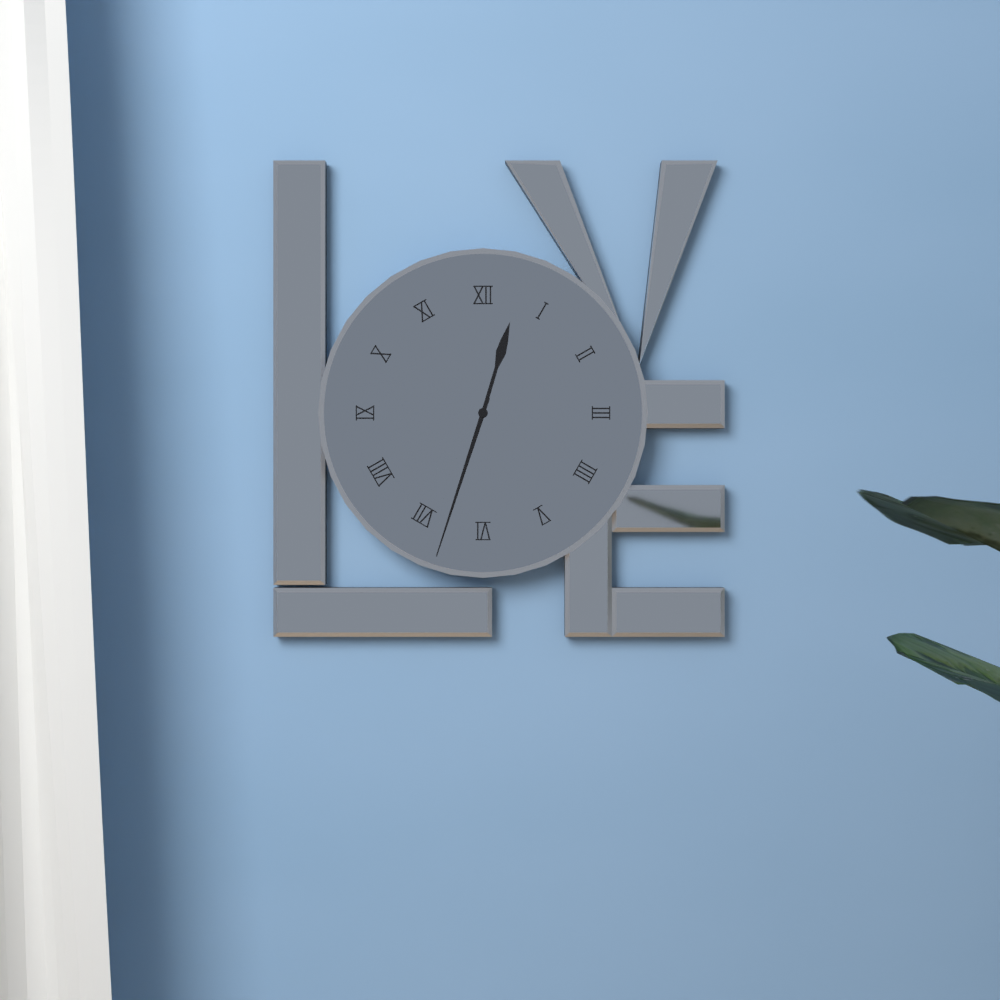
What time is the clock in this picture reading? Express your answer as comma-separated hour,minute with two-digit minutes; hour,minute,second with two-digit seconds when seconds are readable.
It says 12,33
